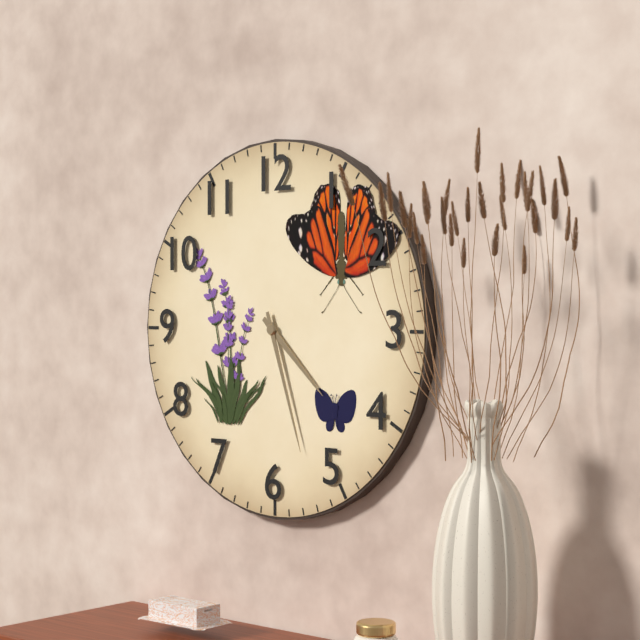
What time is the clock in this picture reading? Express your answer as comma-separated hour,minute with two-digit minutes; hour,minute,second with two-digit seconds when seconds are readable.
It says 4,27
